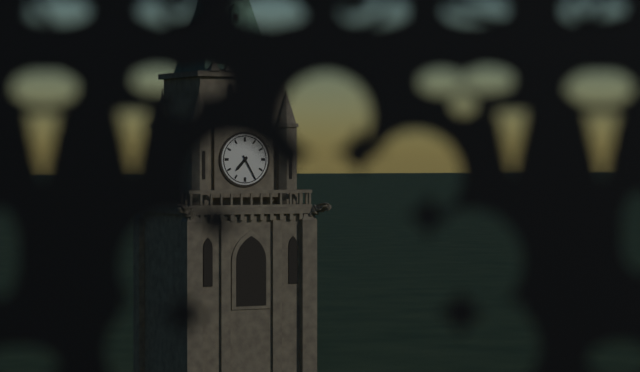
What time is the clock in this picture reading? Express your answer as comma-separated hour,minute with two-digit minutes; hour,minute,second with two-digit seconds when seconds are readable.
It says 7,25
